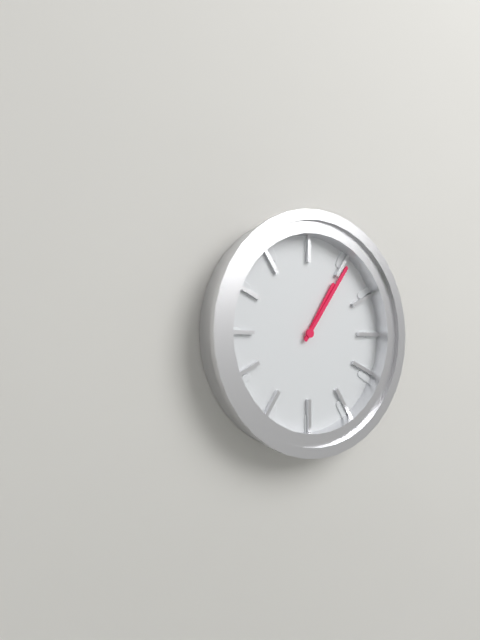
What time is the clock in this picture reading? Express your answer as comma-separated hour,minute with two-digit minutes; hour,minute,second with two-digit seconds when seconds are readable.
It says 1,06
